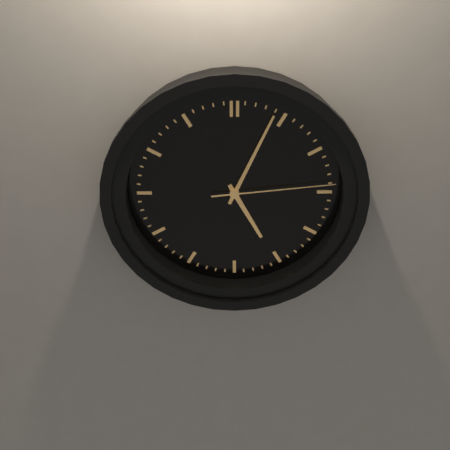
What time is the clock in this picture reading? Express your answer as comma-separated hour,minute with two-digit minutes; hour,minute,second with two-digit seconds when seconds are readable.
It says 5,04,14
